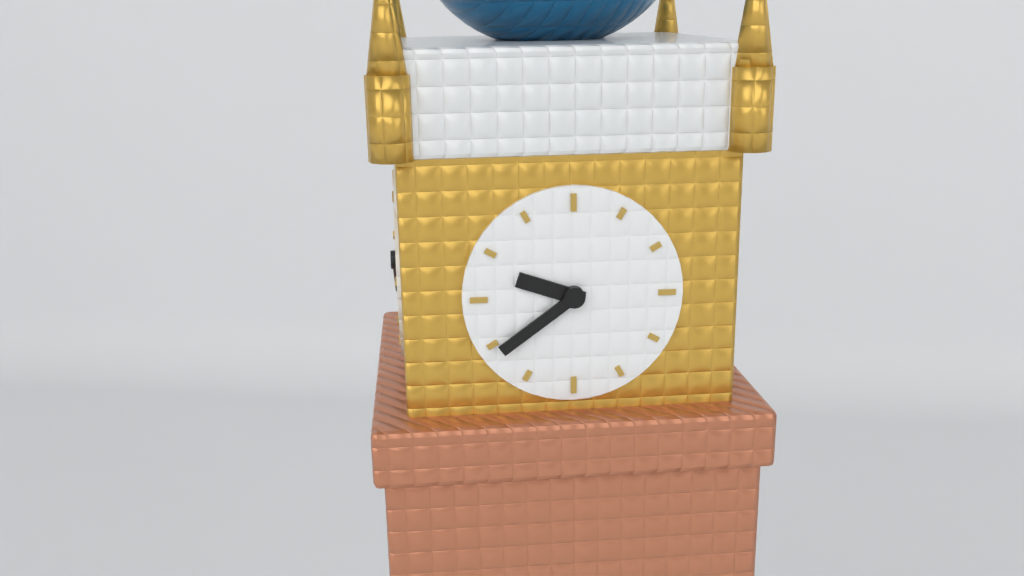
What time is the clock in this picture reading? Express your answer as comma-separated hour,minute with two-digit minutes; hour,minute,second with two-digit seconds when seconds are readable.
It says 9,39
